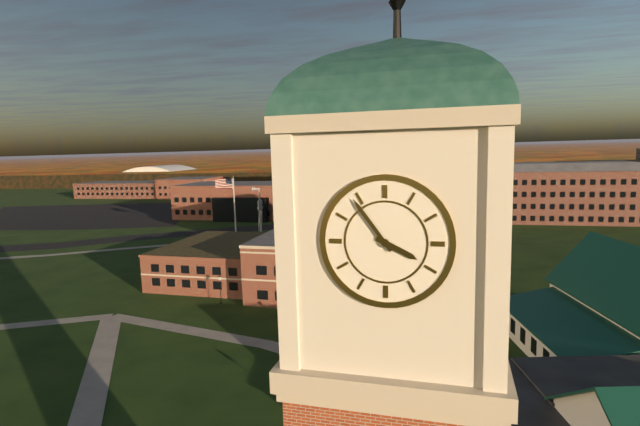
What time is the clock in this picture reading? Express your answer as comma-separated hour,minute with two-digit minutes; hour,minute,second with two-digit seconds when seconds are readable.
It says 3,54
